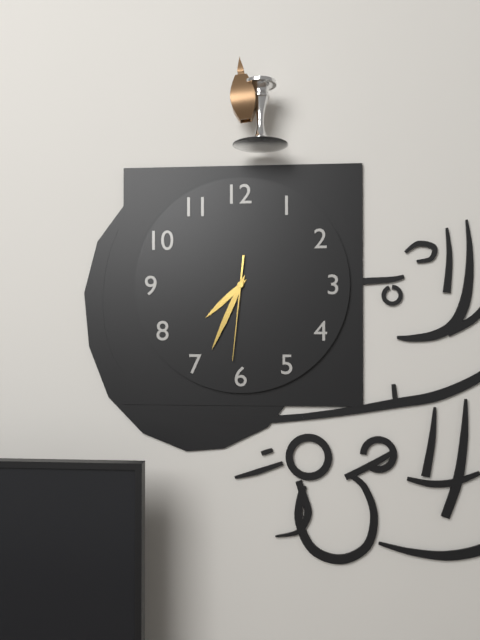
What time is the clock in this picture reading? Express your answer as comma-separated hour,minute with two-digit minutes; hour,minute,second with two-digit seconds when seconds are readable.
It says 7,34,31
